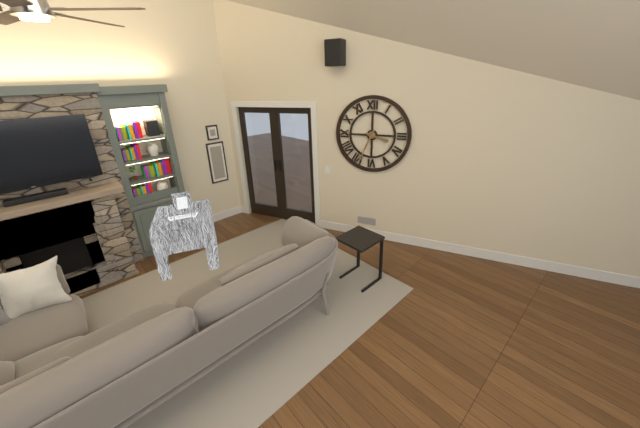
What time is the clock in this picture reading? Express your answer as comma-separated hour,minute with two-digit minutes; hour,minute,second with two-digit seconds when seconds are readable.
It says 3,34
